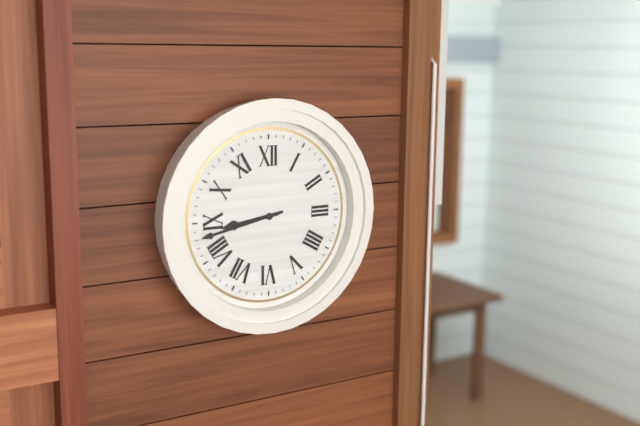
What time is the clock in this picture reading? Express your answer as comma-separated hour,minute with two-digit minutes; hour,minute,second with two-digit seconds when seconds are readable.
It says 8,43
